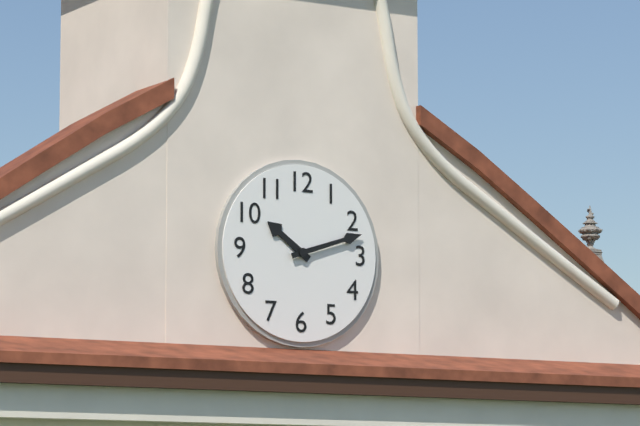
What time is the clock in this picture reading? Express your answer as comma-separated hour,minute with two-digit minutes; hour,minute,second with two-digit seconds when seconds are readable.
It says 10,12
